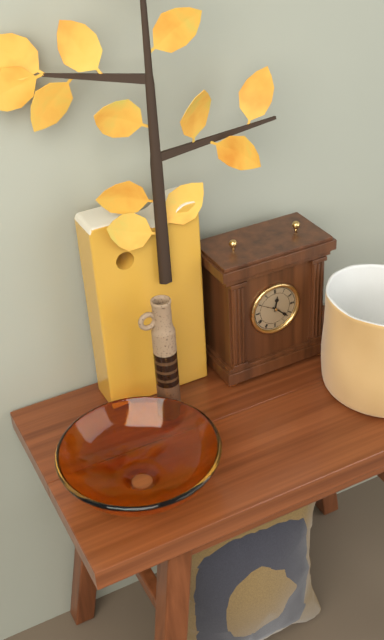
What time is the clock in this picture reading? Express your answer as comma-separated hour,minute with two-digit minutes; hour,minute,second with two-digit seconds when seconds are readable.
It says 12,22
